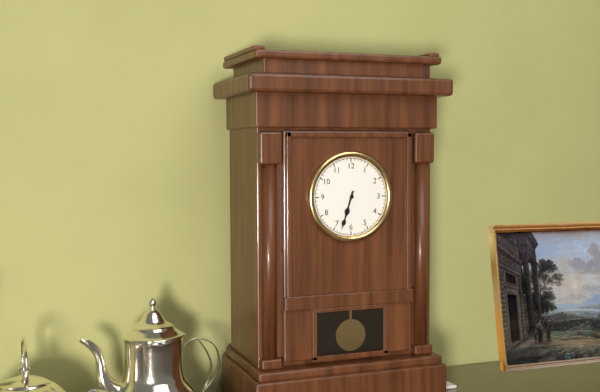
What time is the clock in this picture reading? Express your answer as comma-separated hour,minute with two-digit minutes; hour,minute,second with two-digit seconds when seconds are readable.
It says 6,33
